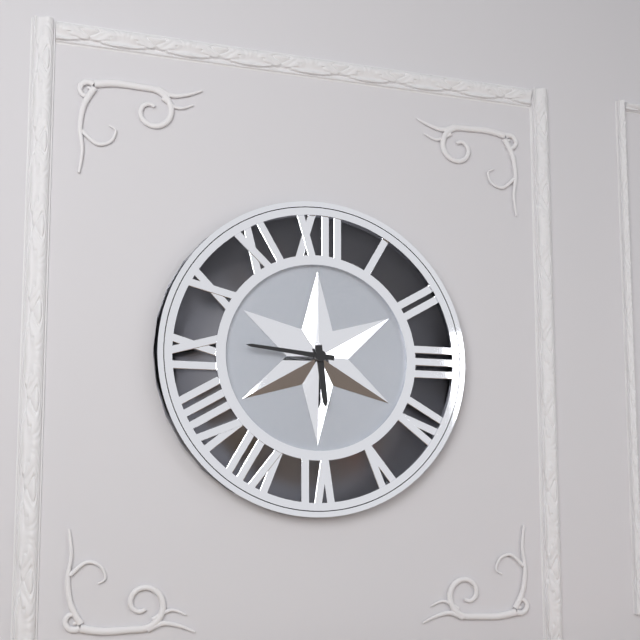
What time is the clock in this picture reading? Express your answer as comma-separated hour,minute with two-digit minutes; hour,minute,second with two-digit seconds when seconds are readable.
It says 5,46
